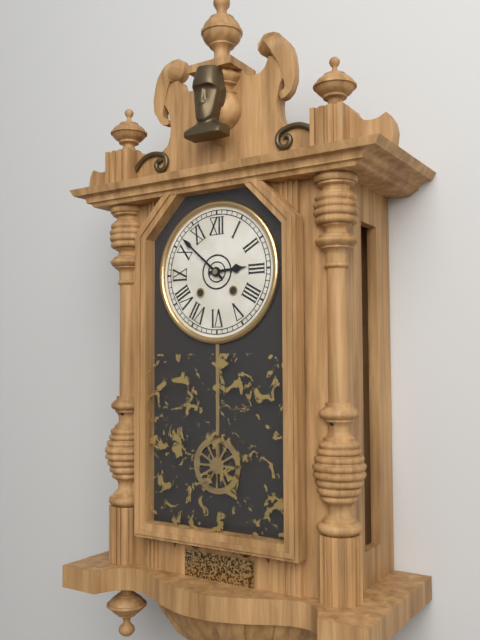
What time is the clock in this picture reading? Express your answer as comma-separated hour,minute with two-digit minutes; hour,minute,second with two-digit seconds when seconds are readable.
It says 2,52
